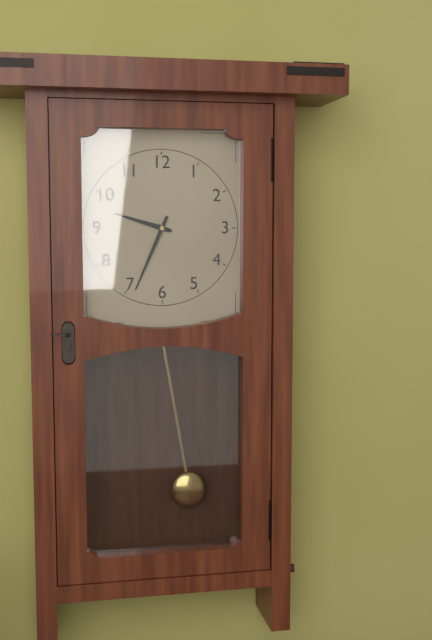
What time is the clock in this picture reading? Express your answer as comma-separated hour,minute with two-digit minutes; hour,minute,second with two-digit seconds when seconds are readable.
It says 9,34
